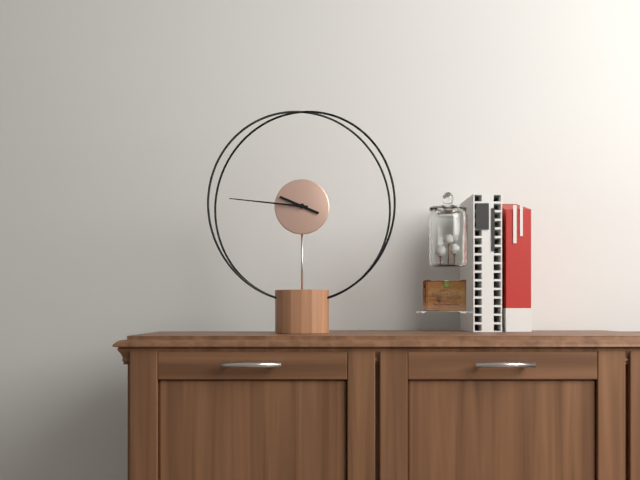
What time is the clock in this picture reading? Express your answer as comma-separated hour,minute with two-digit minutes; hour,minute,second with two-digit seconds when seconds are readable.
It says 9,46
